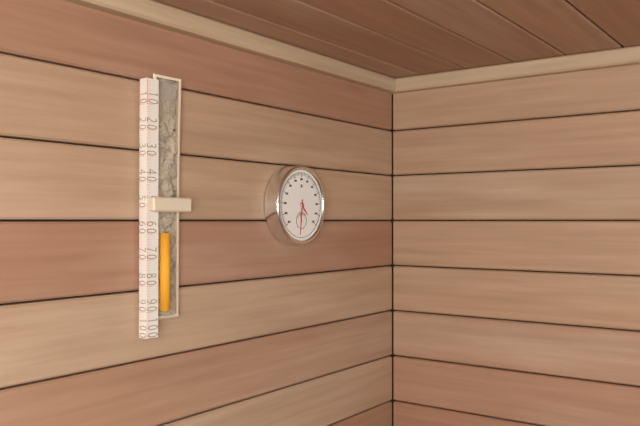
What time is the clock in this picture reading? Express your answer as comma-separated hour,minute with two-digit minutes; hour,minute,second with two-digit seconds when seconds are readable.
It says 4,31
